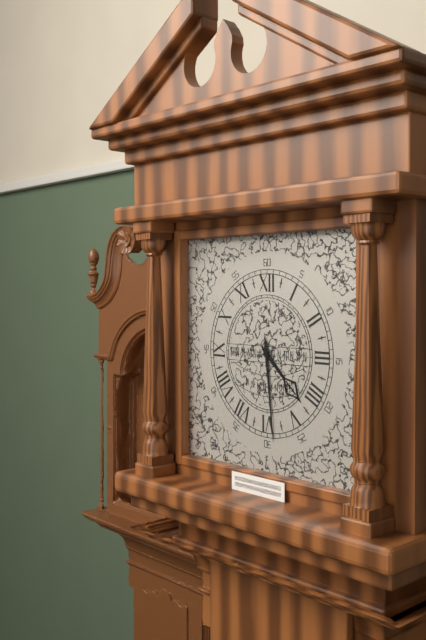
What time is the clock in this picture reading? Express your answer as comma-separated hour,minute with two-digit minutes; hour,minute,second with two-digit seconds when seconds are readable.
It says 4,29
